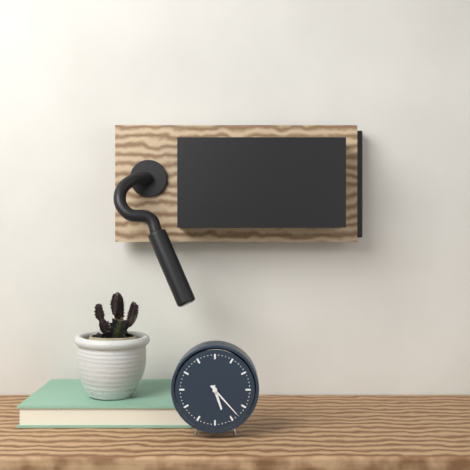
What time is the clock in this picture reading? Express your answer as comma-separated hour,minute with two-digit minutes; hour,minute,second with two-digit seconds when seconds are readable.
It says 5,23
